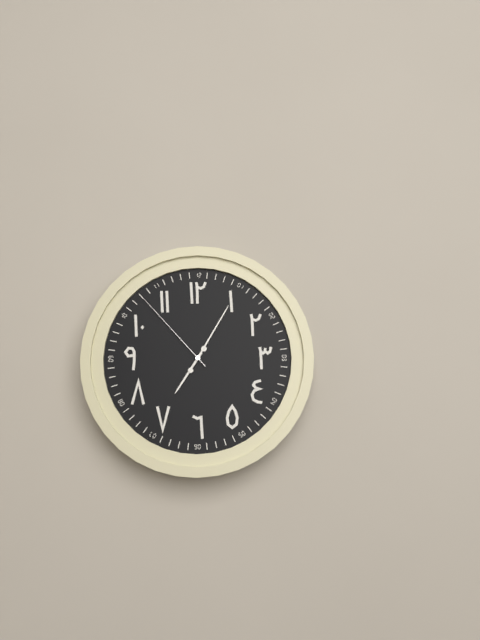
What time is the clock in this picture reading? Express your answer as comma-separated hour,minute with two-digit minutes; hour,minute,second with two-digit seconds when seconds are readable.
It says 7,05,53
